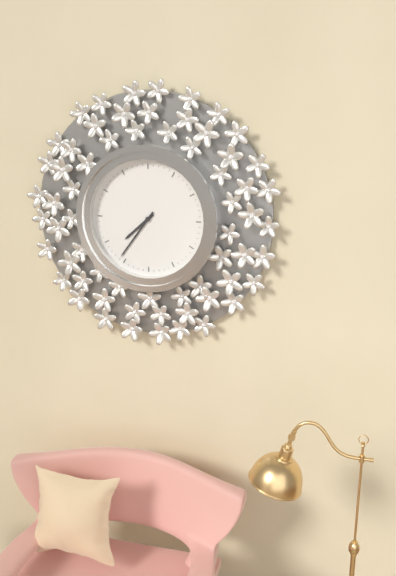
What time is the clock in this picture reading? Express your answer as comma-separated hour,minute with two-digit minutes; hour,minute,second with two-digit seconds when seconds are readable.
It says 7,36
